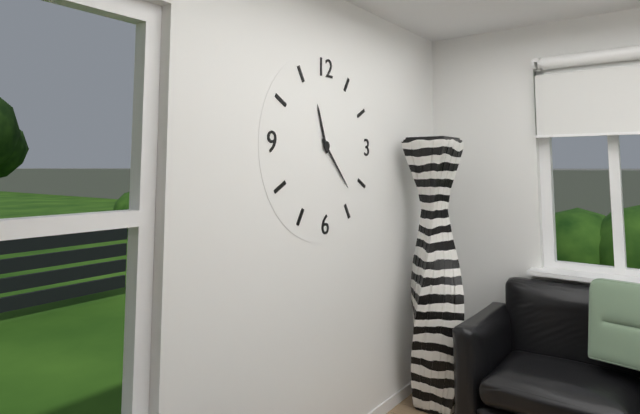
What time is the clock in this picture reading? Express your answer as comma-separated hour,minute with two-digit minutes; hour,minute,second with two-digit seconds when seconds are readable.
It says 11,23
